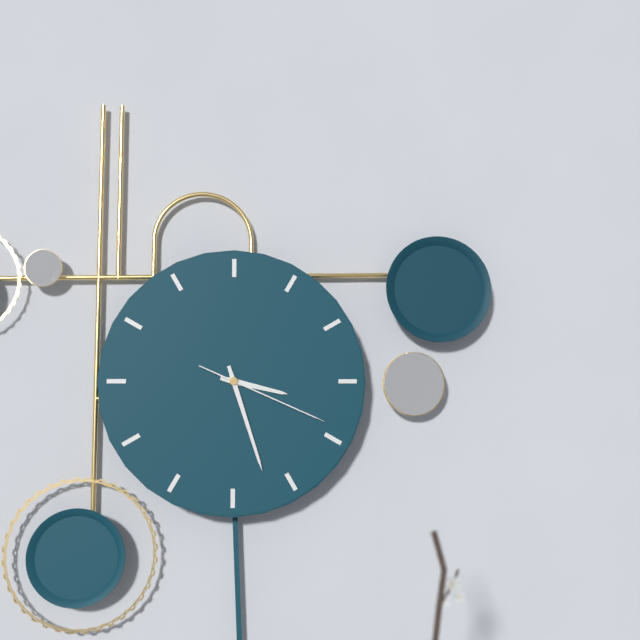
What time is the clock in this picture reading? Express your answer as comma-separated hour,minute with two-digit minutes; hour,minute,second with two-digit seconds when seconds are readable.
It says 3,27,19
